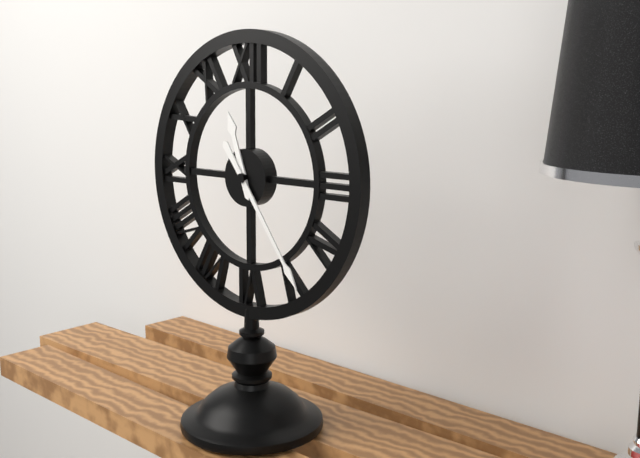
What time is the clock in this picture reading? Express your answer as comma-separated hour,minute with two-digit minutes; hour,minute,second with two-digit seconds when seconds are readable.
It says 11,24
